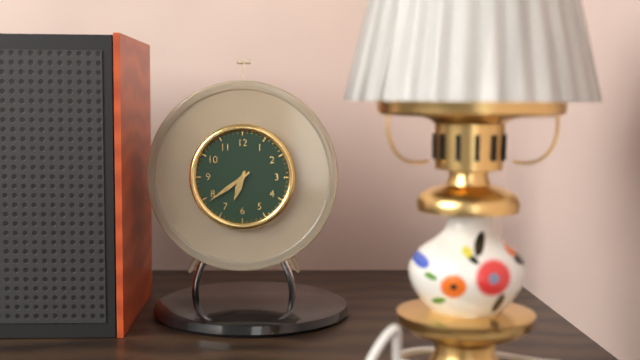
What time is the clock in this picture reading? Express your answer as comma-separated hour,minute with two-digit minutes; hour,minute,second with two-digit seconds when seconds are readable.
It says 6,39
